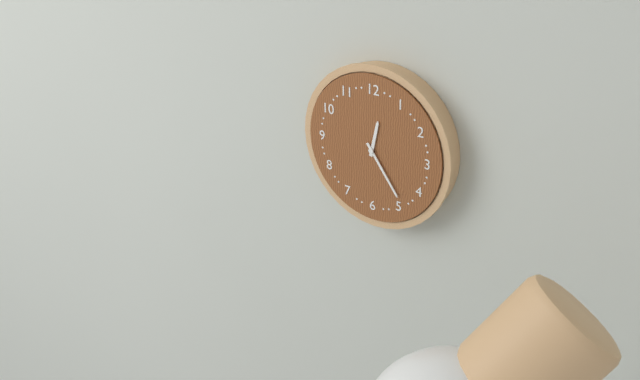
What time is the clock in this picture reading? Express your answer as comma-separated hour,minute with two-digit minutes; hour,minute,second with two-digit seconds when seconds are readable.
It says 12,24
